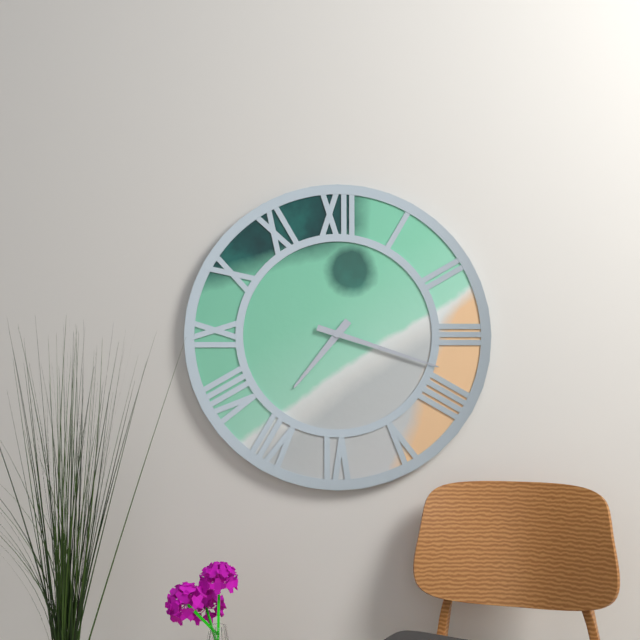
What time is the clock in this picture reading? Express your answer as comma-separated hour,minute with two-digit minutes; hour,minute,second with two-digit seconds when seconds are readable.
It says 7,18
